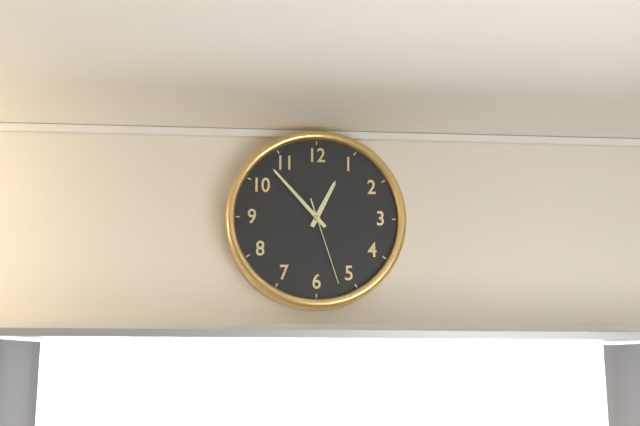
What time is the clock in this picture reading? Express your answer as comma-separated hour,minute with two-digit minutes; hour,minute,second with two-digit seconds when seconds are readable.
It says 12,53,27
